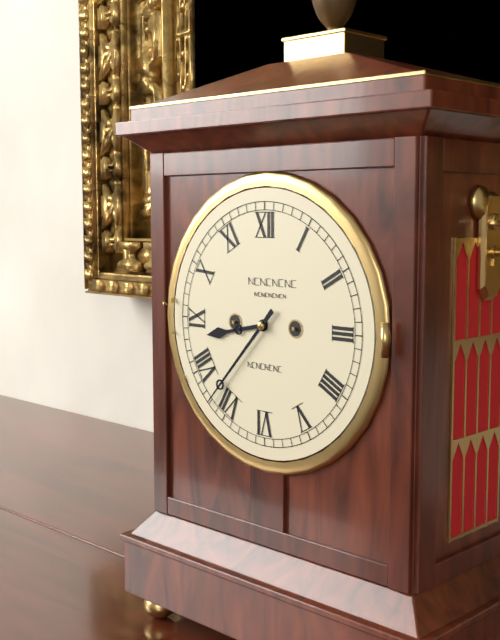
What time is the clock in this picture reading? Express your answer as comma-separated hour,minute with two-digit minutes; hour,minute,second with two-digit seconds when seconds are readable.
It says 8,37
